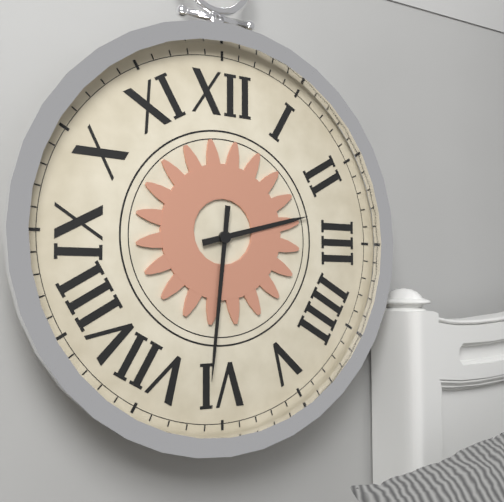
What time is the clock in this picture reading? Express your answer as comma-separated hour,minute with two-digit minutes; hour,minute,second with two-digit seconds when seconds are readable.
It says 2,31
